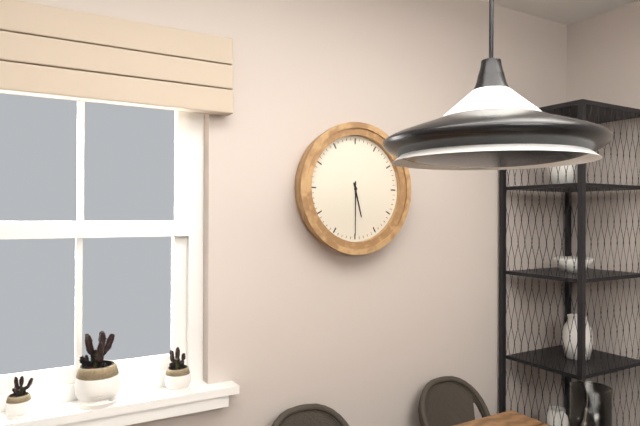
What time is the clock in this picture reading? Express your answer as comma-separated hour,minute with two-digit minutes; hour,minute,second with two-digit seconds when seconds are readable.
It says 5,30
